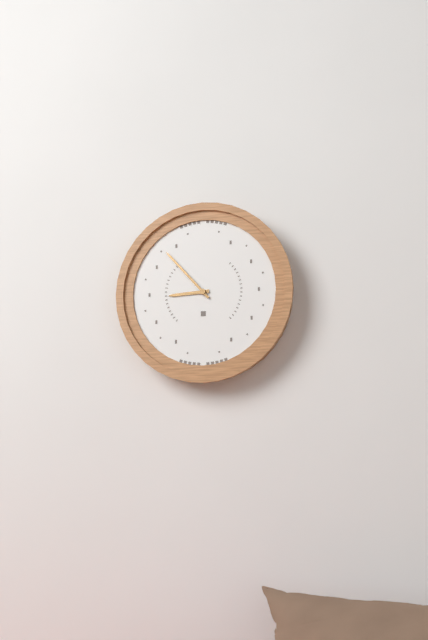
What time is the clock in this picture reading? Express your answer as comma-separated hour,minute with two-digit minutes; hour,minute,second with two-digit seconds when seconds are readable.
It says 8,53
